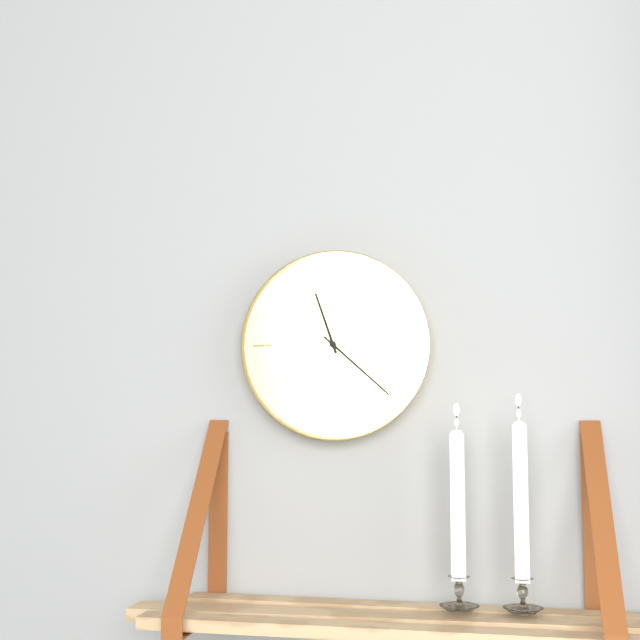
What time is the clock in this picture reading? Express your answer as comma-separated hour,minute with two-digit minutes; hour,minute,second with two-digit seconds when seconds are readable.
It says 11,22
